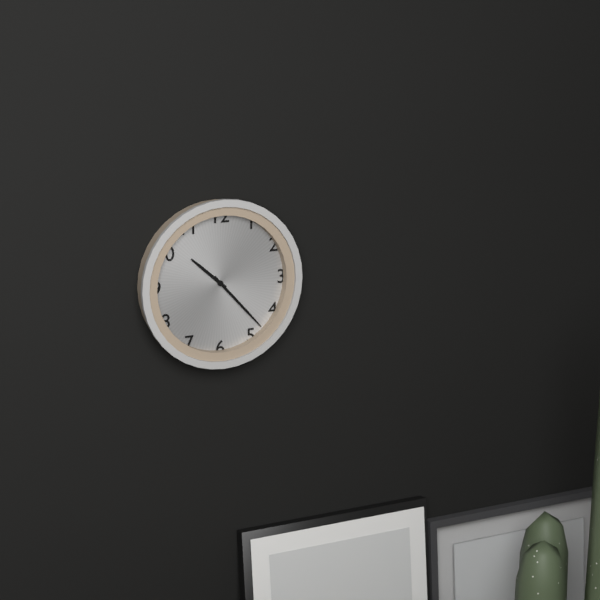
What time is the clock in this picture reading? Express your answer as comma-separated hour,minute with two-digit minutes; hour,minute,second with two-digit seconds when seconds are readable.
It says 10,23
